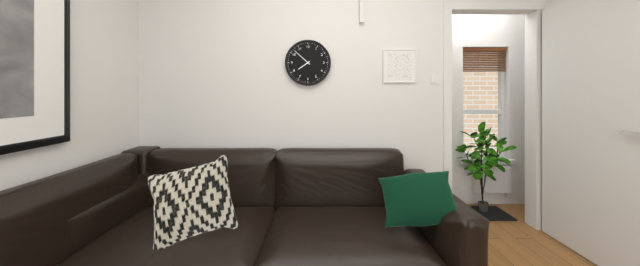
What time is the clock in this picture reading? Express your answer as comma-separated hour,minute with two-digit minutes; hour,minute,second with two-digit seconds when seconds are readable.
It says 7,52
